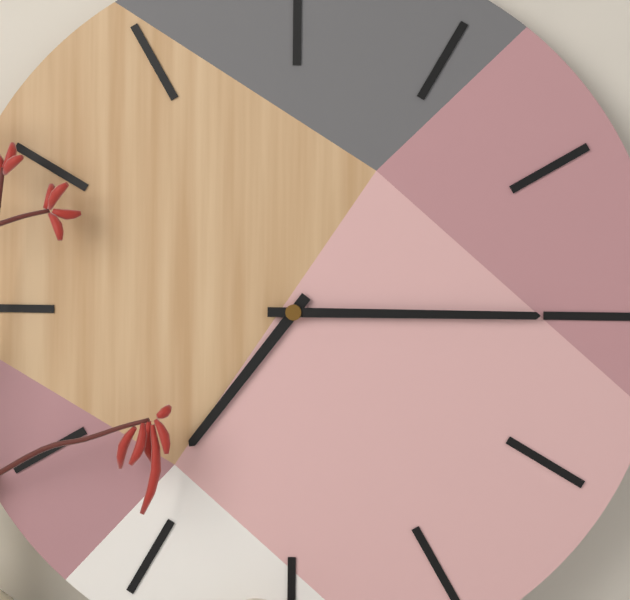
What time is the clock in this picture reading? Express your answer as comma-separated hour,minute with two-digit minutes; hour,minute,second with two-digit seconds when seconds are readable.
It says 7,15
